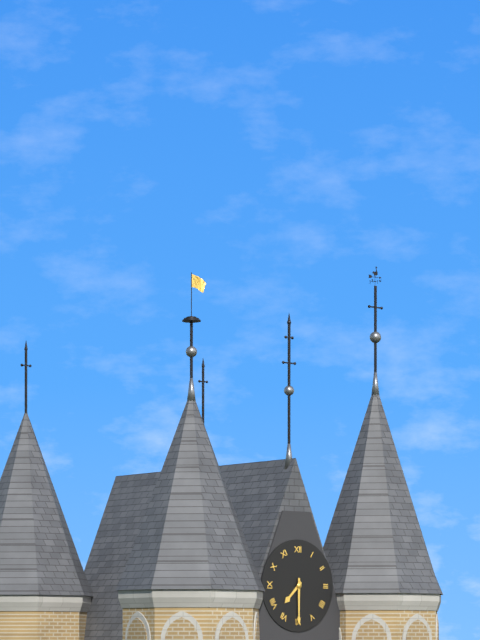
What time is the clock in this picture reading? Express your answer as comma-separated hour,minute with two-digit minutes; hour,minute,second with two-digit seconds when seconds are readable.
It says 7,30
